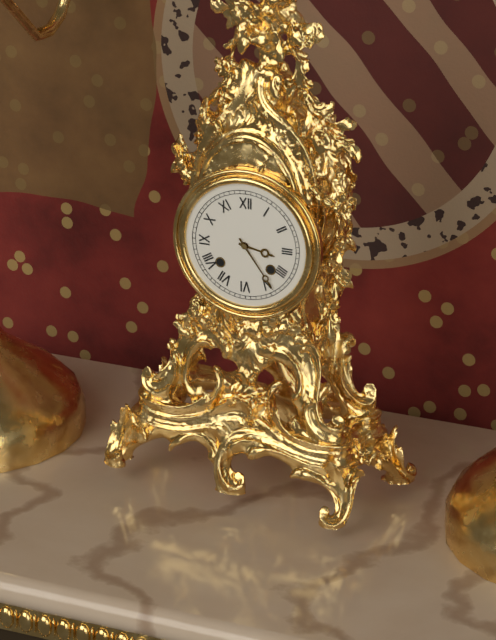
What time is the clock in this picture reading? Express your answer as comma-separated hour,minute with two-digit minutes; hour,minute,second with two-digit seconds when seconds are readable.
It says 3,24
